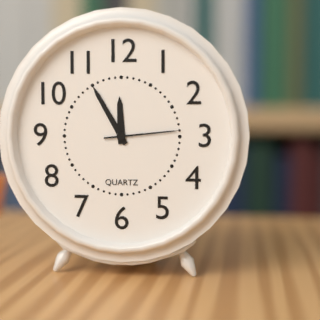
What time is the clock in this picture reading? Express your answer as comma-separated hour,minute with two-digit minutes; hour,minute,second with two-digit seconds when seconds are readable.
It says 11,55,14
